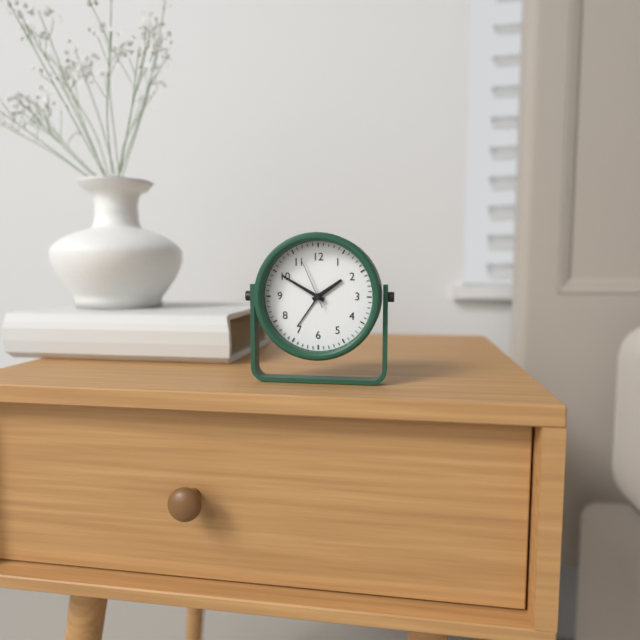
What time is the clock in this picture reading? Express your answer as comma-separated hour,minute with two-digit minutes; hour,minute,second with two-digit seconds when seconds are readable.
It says 1,50,56
